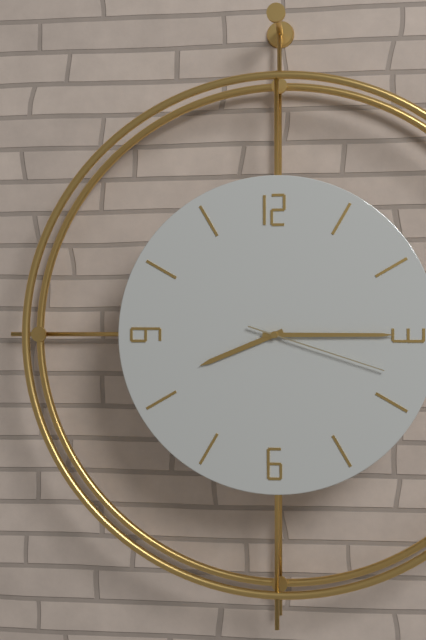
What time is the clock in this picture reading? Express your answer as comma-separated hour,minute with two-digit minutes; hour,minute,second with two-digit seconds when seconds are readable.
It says 8,15,18
